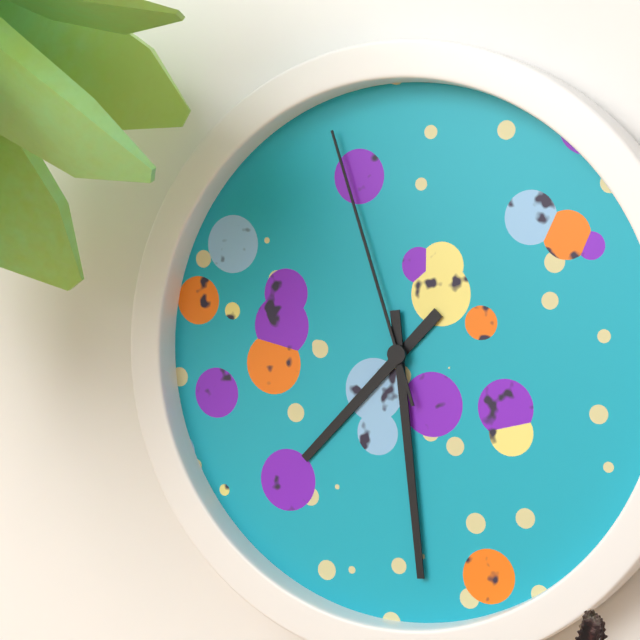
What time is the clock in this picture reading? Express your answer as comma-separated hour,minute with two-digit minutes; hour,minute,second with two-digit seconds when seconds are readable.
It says 7,29,57
